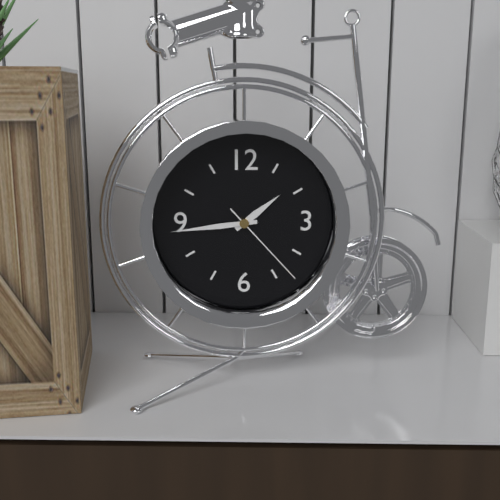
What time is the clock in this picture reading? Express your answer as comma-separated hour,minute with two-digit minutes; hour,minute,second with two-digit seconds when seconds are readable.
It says 1,44,23
